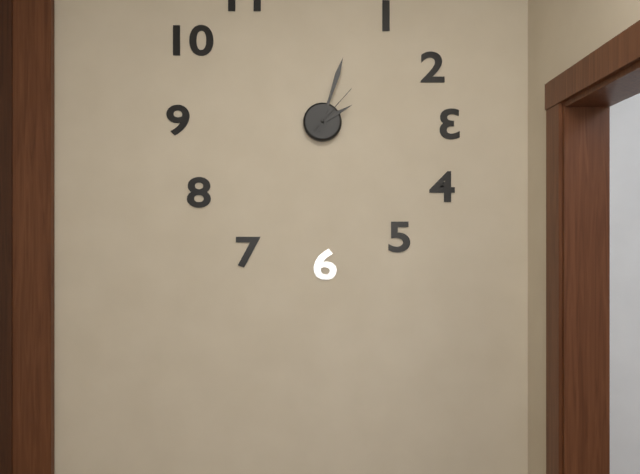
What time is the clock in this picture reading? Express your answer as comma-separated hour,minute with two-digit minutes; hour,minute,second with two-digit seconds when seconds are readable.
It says 2,03,07
